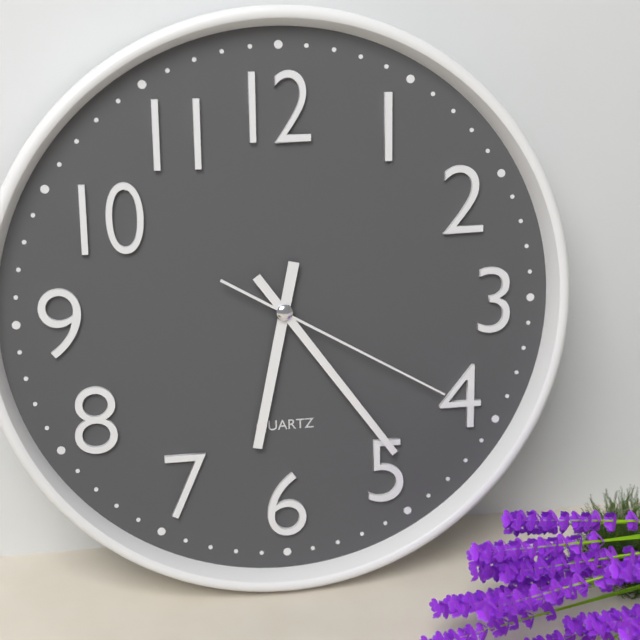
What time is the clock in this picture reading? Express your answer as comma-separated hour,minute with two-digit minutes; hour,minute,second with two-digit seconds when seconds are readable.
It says 6,24,20
